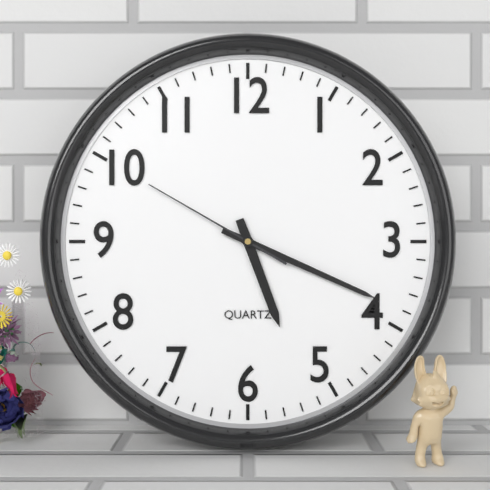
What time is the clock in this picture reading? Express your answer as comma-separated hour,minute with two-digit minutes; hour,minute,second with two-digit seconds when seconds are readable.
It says 5,19,50
